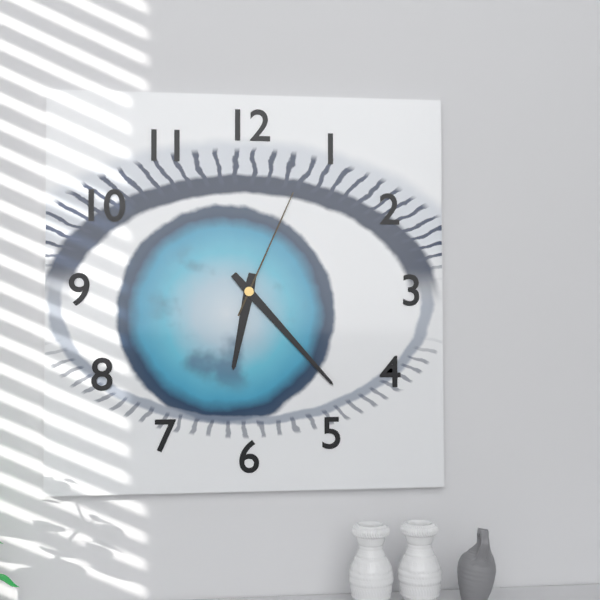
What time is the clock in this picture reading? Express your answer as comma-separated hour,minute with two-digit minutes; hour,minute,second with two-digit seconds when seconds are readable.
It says 6,23,04
